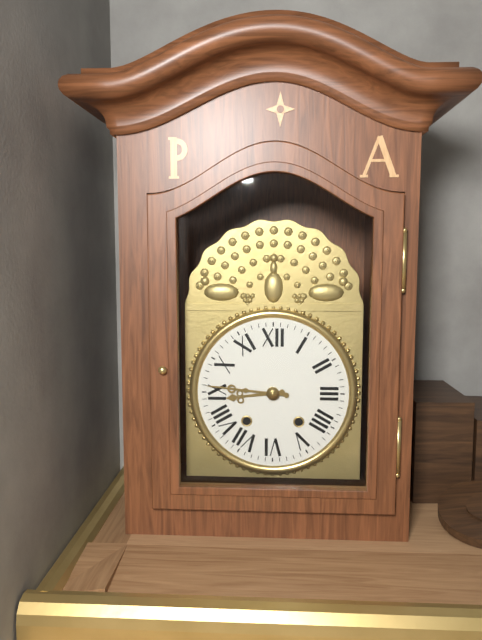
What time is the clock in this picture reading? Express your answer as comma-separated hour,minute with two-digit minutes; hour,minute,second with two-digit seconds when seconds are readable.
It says 8,46
